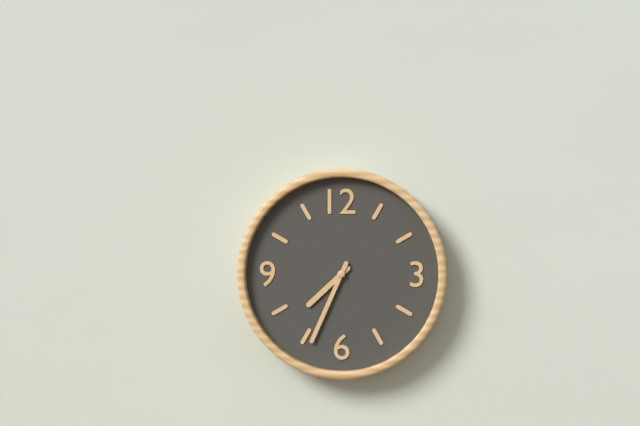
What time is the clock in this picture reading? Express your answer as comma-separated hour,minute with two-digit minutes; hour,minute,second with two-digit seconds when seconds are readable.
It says 7,34
